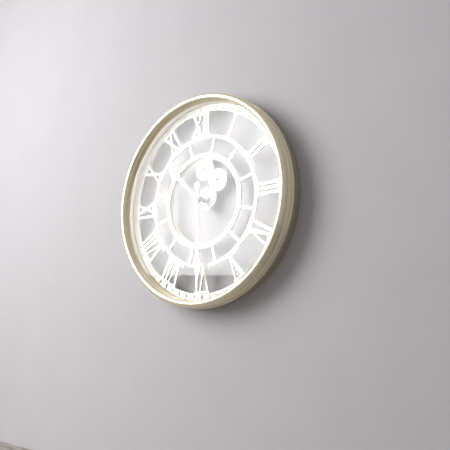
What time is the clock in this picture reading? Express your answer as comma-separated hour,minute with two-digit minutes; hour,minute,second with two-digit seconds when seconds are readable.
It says 10,30
